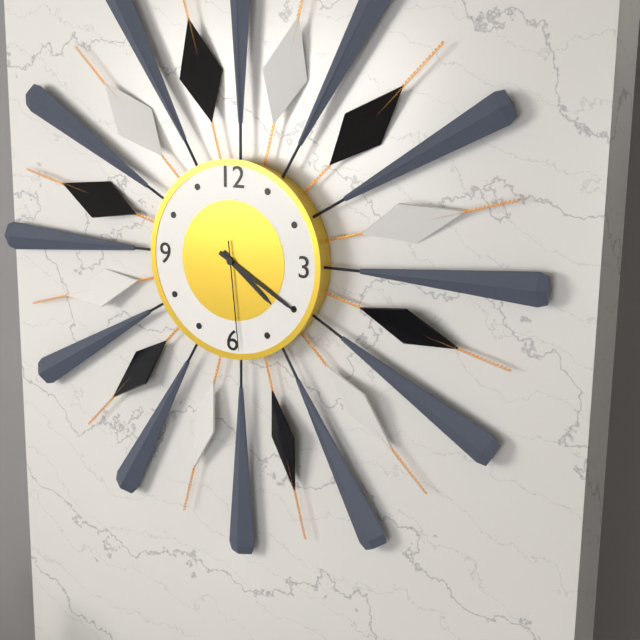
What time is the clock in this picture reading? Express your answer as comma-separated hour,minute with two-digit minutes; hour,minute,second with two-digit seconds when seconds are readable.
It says 4,20,29
